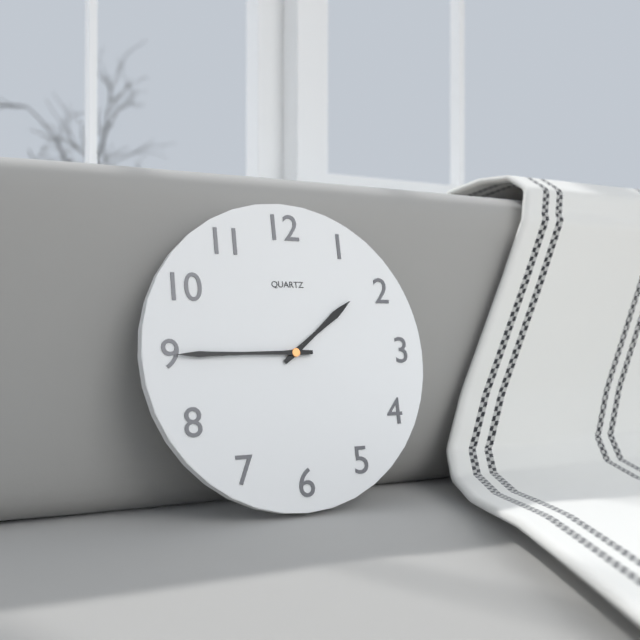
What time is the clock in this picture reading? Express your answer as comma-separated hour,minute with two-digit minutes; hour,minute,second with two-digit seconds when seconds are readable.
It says 1,45
